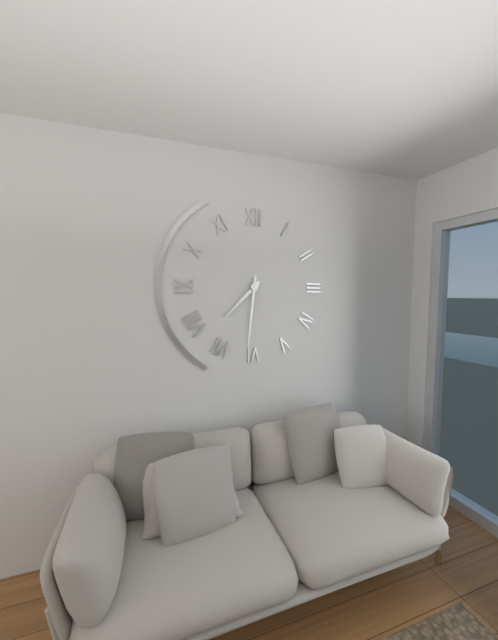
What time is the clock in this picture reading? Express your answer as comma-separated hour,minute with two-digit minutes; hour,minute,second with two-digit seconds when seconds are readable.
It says 7,31
